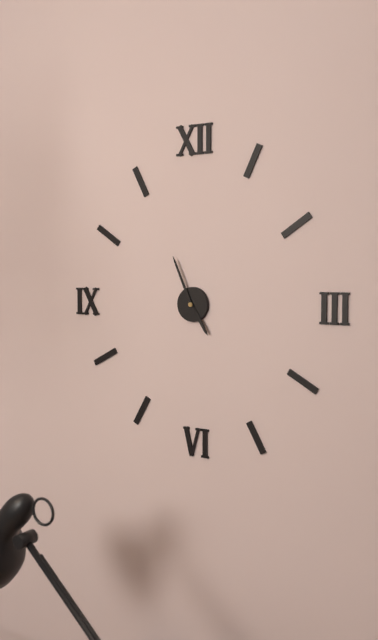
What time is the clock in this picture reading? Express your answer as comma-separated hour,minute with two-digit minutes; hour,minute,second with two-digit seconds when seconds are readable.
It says 4,56
